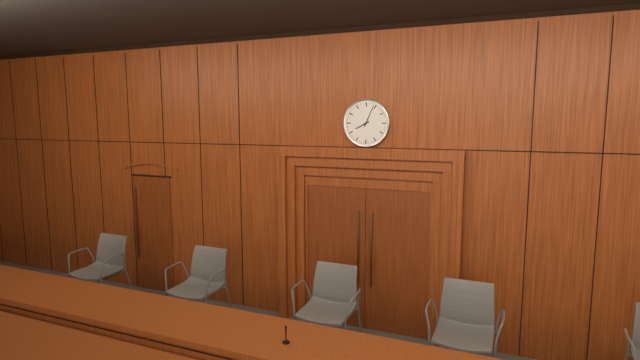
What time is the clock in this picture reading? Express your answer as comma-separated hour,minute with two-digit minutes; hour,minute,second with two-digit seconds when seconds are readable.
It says 8,04
